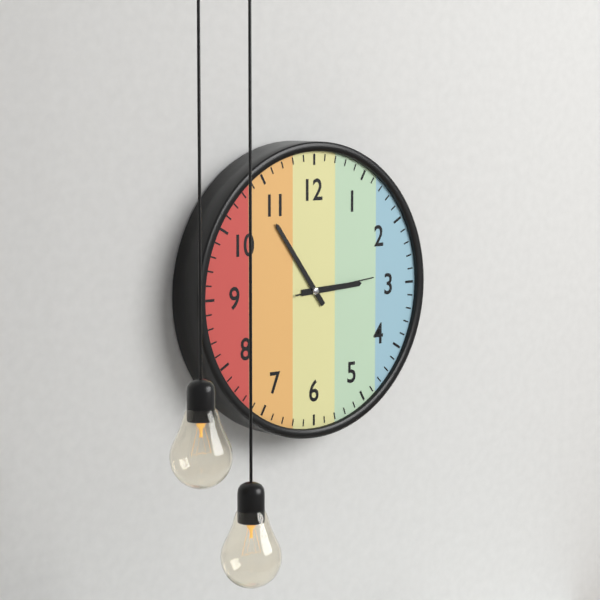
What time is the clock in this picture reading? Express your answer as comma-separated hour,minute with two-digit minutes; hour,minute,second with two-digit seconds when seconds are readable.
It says 2,54,14
